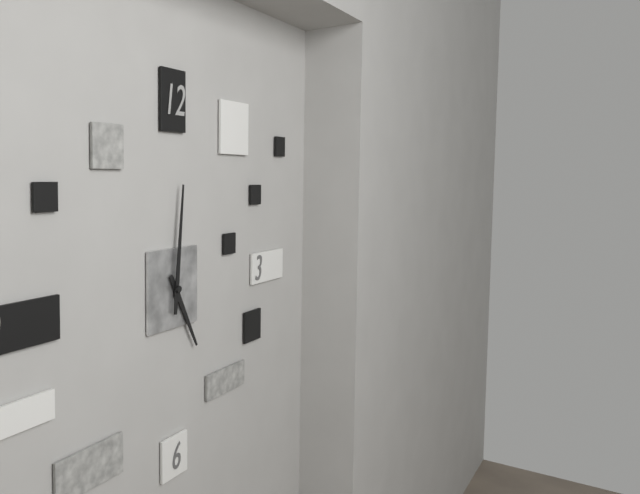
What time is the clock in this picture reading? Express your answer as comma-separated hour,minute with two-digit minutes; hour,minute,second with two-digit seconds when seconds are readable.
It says 5,01
